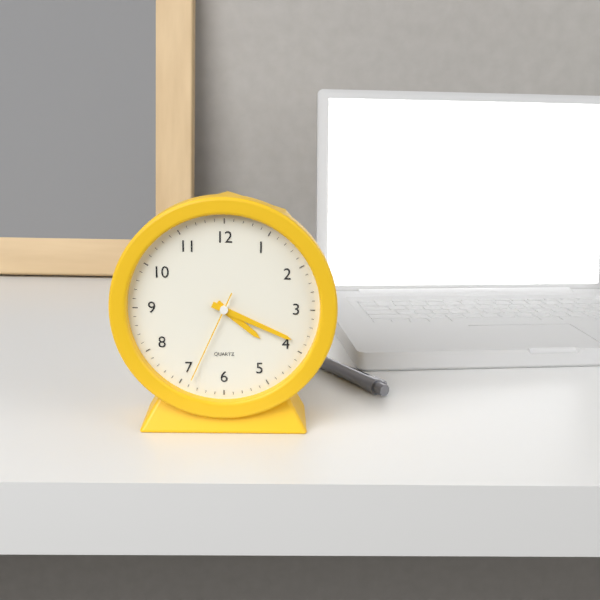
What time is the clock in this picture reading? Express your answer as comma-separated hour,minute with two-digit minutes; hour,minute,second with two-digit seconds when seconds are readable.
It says 4,19,34
